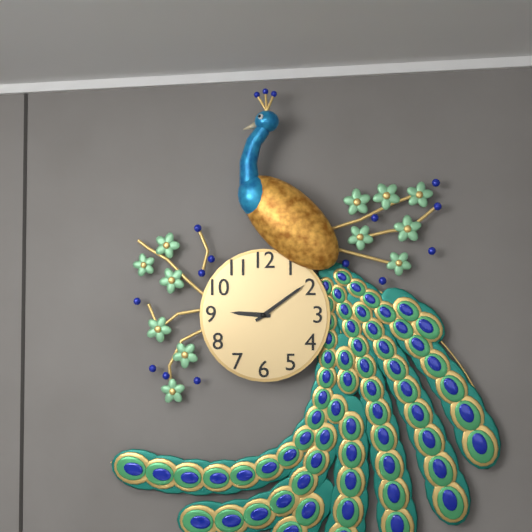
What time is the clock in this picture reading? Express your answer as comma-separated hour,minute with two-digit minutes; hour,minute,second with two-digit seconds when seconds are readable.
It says 9,09
